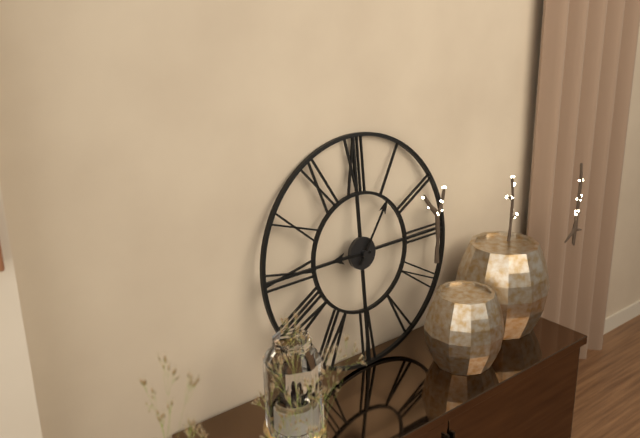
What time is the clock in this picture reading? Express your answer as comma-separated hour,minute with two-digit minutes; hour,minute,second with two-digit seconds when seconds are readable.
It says 9,06
